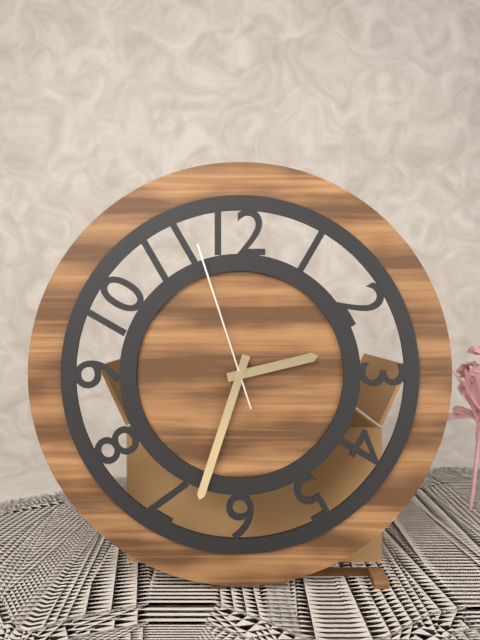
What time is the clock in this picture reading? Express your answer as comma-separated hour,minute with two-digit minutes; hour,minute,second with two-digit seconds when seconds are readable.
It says 2,33,57
